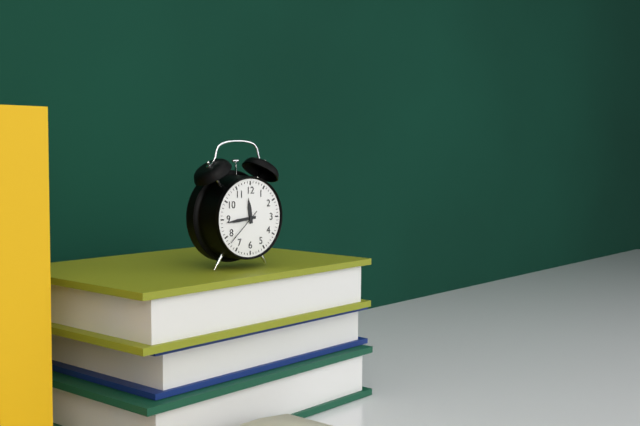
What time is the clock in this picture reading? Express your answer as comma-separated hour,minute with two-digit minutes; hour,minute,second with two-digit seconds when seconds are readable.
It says 11,44
